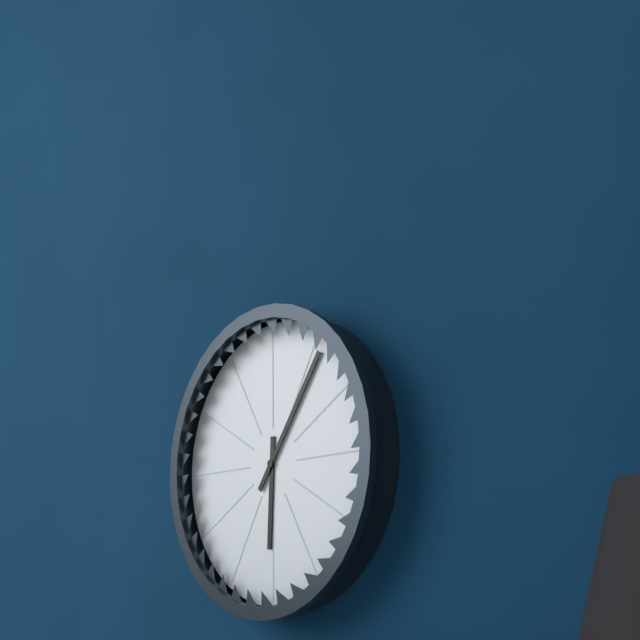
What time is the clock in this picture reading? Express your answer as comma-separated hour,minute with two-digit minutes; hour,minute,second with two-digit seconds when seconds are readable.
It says 6,06
